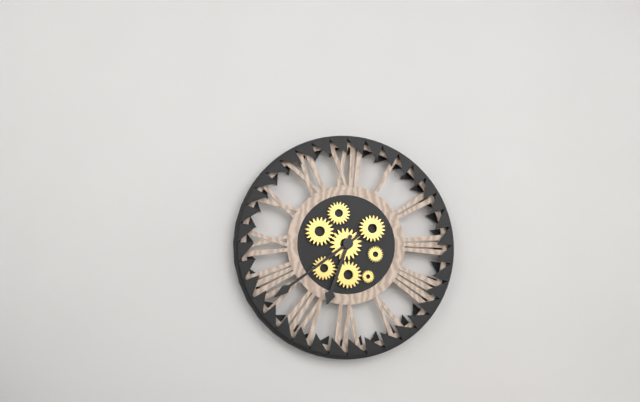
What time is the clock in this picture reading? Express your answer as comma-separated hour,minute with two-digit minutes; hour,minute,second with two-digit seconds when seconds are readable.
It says 6,39
